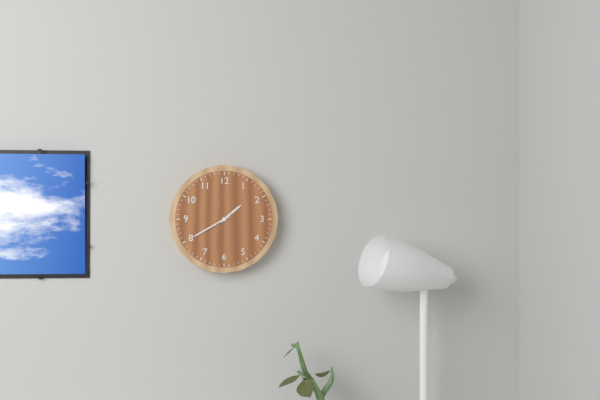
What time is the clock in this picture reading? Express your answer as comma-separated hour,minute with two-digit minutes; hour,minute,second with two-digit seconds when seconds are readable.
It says 1,40
